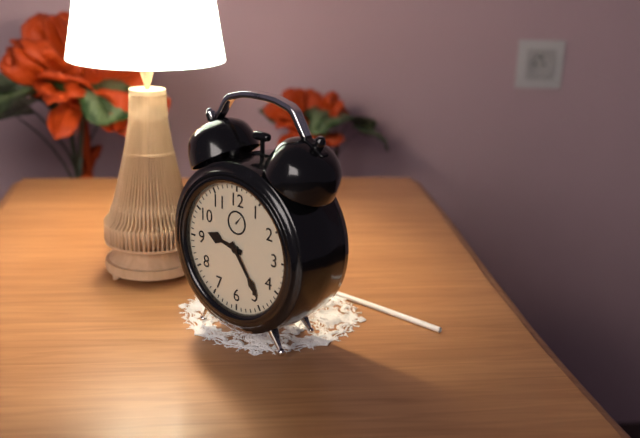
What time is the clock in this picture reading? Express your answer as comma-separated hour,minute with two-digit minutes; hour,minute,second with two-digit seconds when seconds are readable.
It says 9,24
